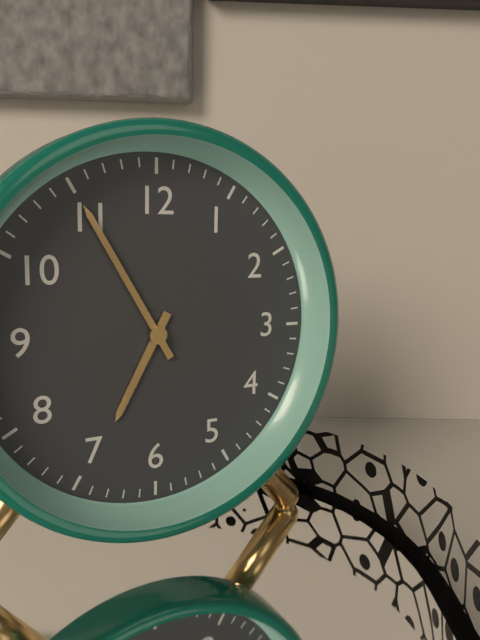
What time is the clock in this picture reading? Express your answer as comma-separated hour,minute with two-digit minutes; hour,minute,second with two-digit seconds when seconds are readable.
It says 6,55
